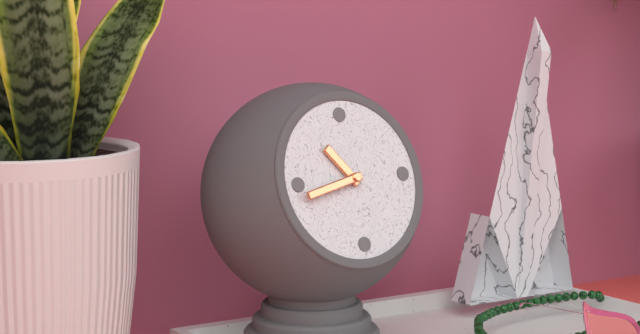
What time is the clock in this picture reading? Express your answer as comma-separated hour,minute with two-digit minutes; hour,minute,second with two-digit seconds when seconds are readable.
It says 10,43
